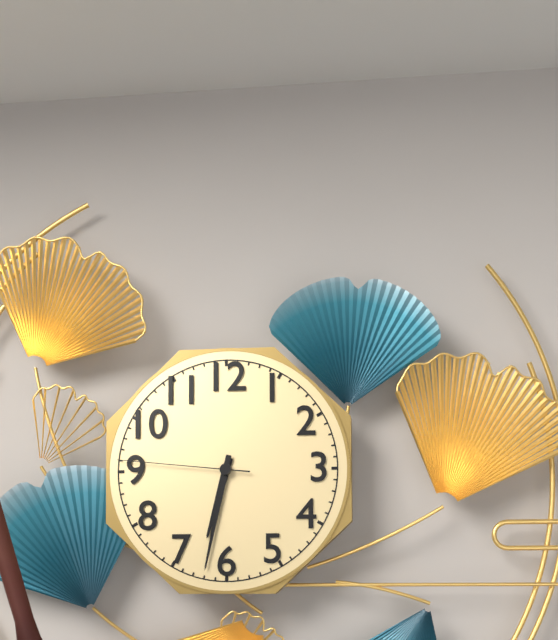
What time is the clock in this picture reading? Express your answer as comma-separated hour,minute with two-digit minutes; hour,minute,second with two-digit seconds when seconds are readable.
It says 6,32,46
